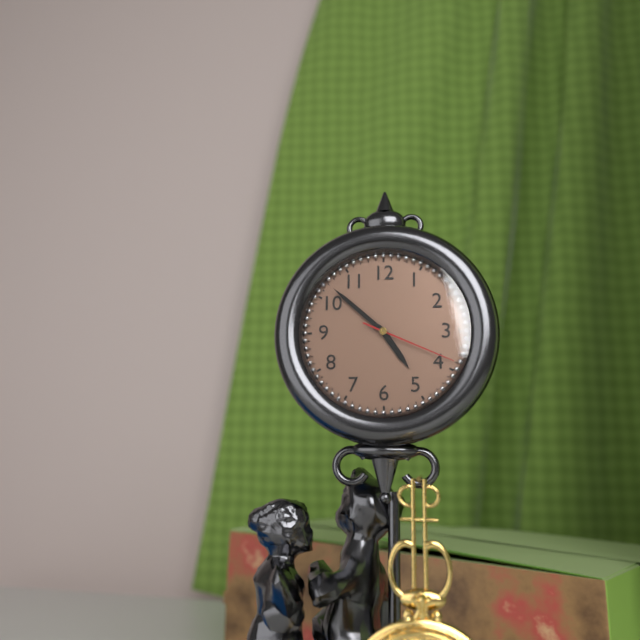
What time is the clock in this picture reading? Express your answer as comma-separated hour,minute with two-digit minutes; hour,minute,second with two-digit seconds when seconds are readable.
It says 4,52,19
